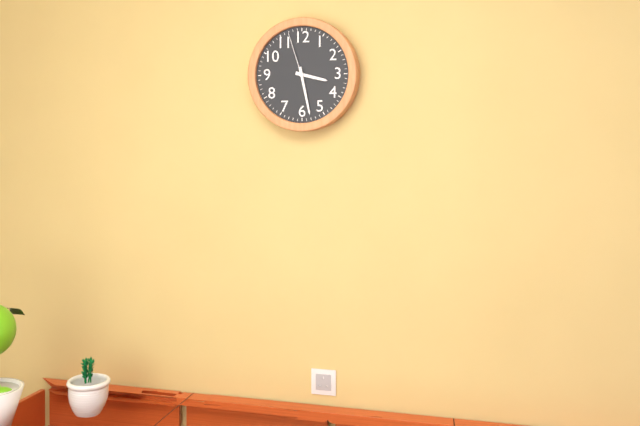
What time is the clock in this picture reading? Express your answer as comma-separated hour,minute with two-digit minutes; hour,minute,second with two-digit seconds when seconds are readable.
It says 3,28,57
